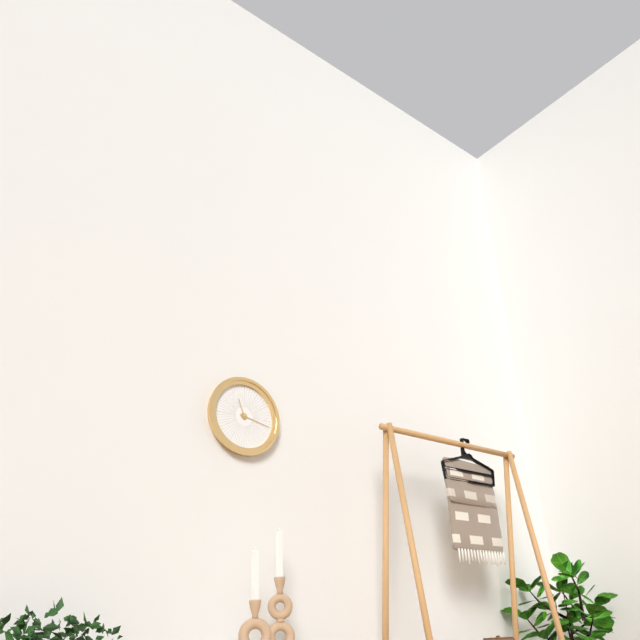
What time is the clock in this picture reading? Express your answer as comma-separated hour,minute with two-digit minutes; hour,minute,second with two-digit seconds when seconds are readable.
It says 11,17
